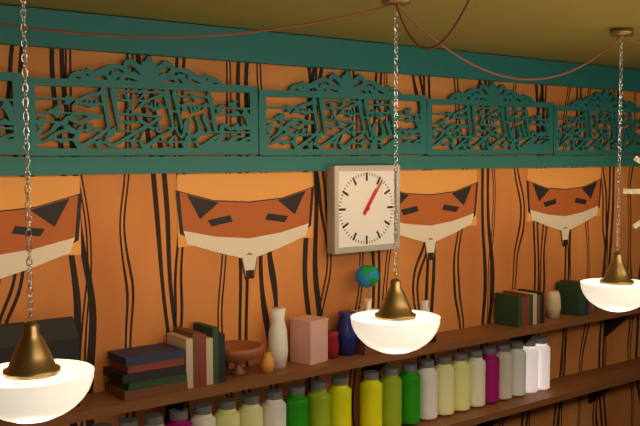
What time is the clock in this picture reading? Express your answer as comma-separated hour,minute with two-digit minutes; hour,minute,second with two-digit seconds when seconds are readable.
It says 1,06
